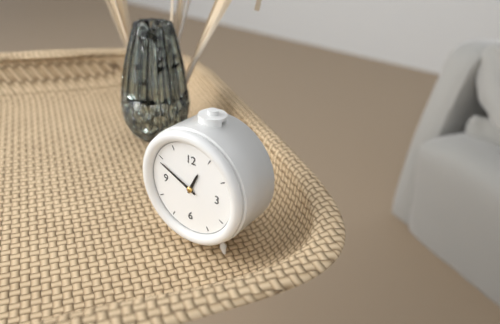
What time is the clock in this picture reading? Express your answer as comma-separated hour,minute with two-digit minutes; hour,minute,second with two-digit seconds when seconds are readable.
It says 12,49
